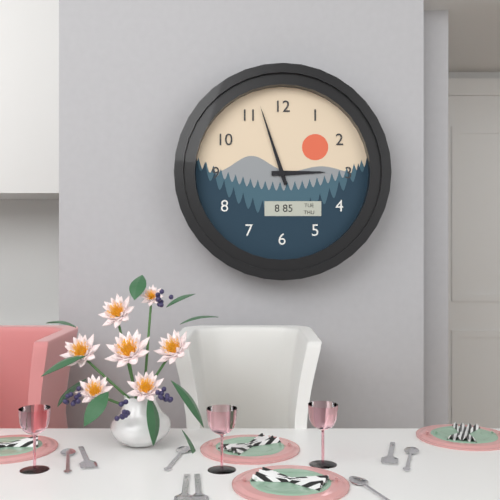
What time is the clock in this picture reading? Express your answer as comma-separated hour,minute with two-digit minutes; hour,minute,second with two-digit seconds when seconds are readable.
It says 2,57
